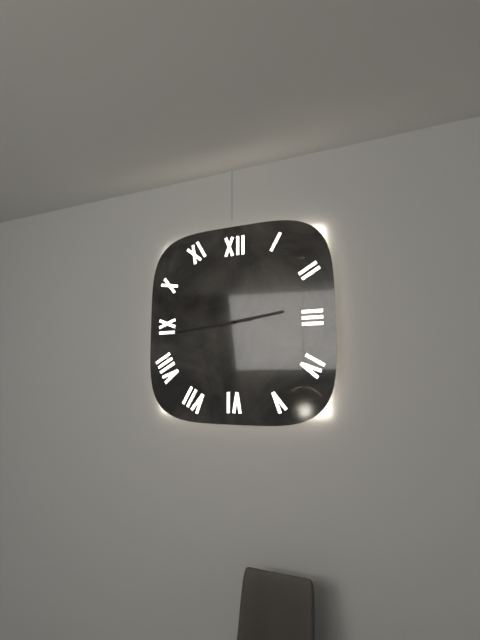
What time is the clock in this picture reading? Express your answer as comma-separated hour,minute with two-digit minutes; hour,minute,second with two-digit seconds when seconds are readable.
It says 2,44
